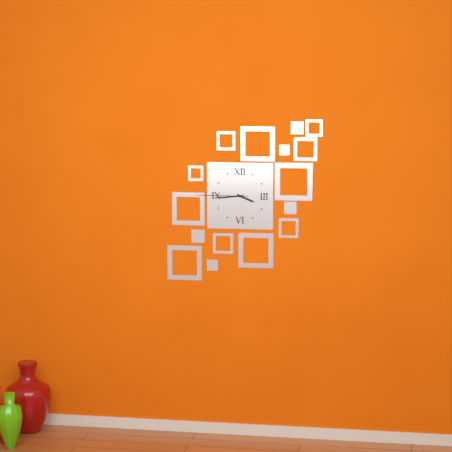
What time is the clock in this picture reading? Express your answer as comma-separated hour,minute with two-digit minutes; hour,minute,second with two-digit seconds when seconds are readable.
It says 3,44,45
